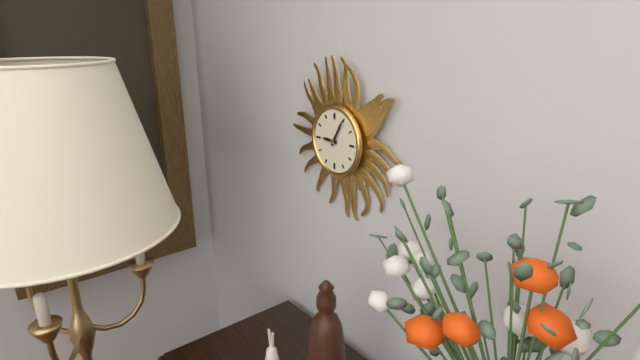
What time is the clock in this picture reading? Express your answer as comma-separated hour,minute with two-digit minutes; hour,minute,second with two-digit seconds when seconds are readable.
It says 9,05
